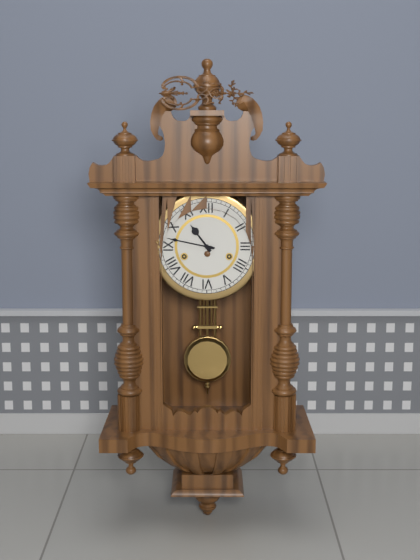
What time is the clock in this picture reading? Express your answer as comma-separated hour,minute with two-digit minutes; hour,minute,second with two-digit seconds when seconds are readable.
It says 10,47
